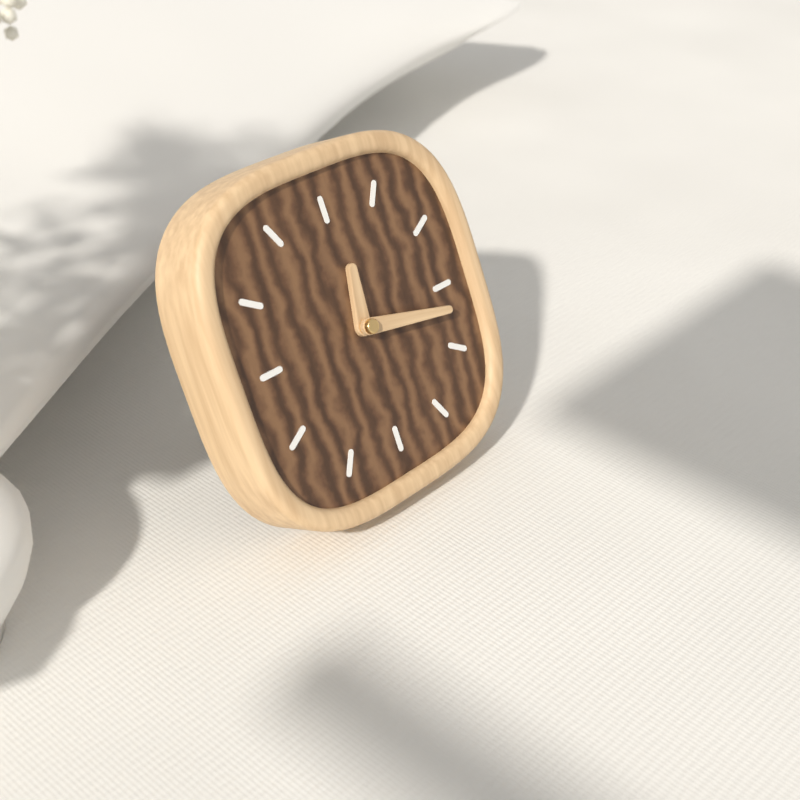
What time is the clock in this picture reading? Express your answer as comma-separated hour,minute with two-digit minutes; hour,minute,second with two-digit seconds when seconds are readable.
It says 12,17
